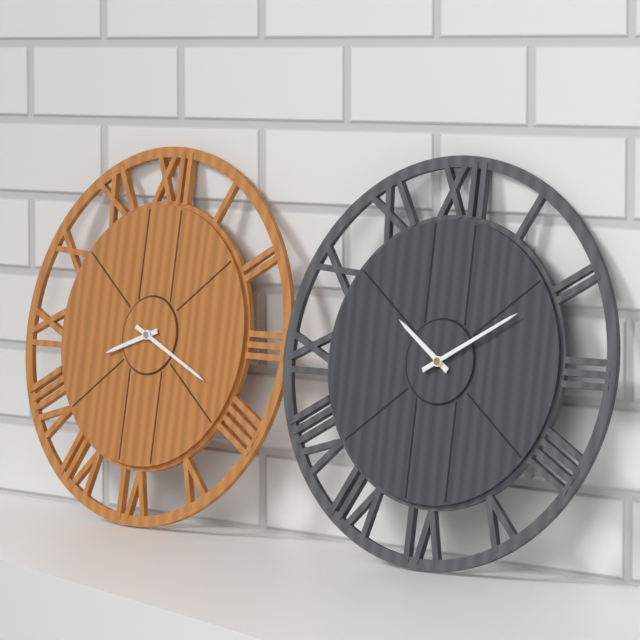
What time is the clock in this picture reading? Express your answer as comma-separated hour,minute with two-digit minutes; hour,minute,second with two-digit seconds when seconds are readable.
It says 8,19
